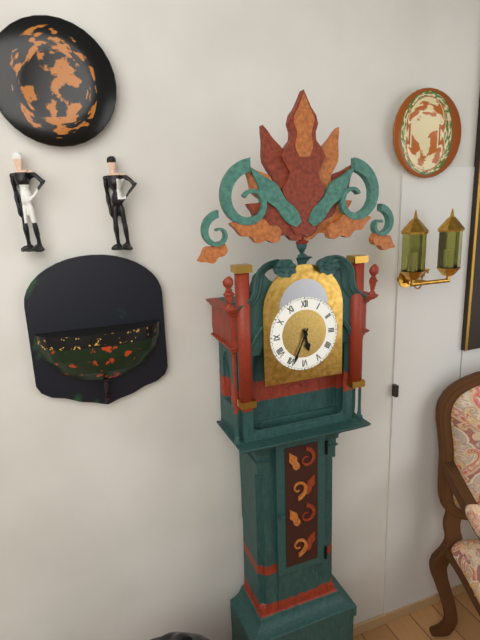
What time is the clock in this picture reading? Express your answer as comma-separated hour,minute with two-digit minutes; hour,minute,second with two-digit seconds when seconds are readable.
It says 5,34
